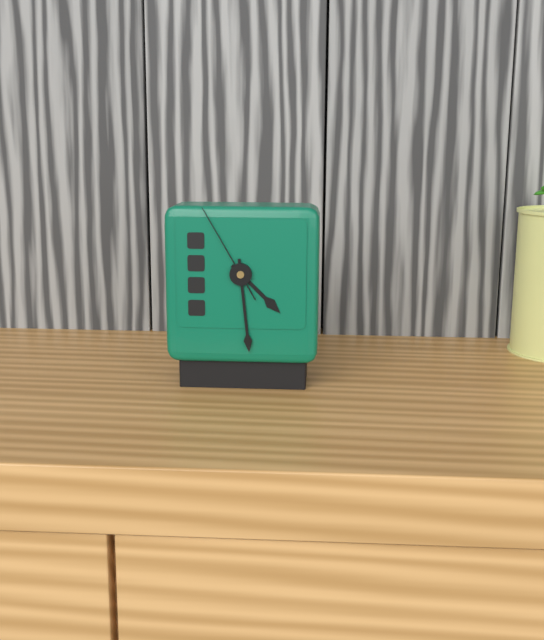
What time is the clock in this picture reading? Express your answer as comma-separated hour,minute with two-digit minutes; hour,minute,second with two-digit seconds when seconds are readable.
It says 4,29,55
